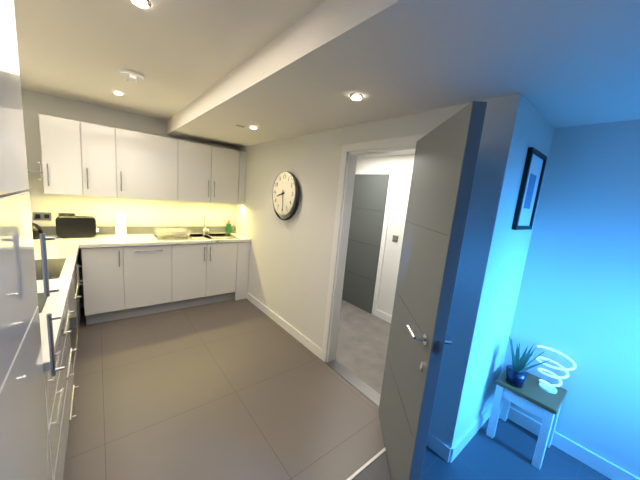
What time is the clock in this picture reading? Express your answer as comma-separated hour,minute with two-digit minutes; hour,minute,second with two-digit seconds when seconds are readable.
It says 8,29
